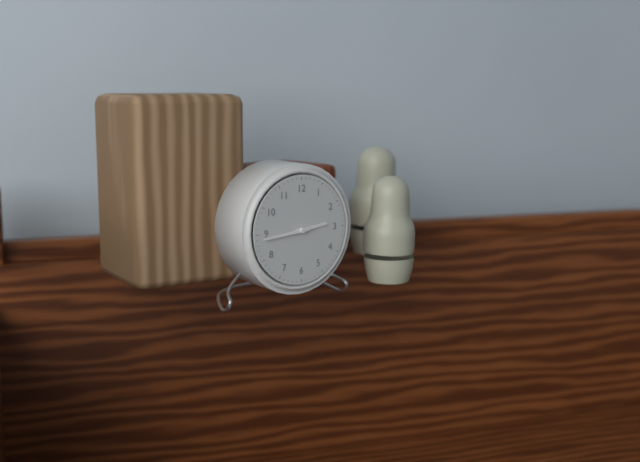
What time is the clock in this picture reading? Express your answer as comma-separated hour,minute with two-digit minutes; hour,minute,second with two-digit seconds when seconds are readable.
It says 2,44
